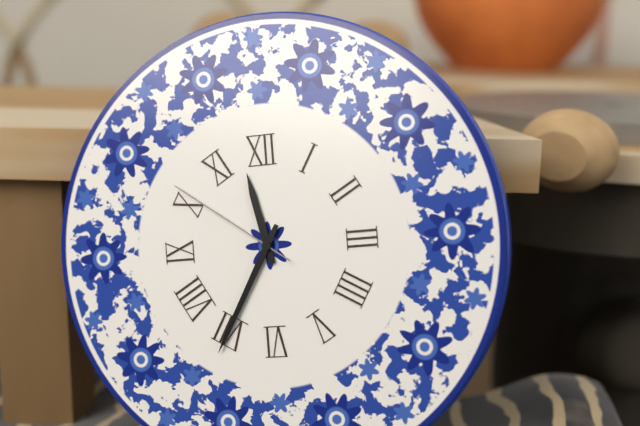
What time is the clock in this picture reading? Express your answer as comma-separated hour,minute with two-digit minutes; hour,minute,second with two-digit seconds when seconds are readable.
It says 11,35,51
